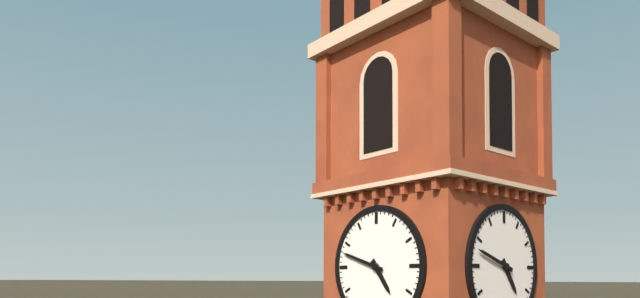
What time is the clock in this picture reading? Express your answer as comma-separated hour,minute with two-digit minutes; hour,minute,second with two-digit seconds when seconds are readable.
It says 4,48
